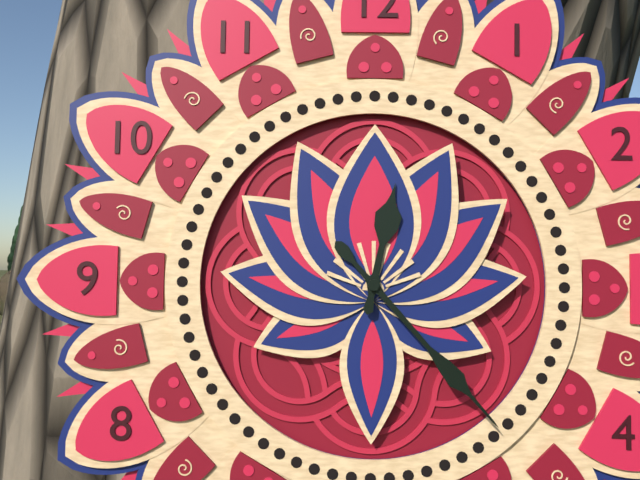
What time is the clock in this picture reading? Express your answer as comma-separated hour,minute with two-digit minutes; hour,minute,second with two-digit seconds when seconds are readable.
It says 12,23
